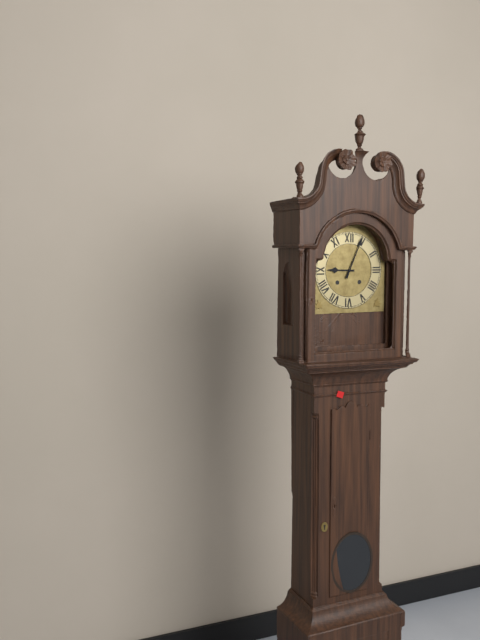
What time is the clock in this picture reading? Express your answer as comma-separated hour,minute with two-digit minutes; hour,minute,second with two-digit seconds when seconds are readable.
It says 9,04
